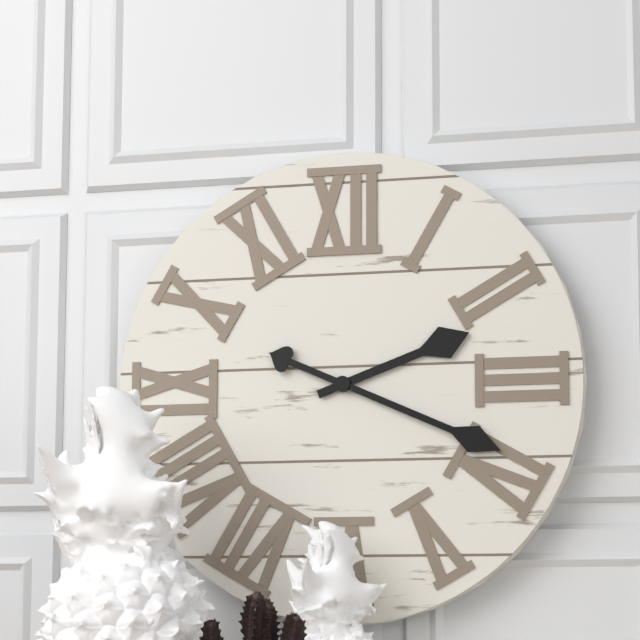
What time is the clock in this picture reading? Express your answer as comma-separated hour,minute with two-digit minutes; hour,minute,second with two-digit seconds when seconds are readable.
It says 2,19
